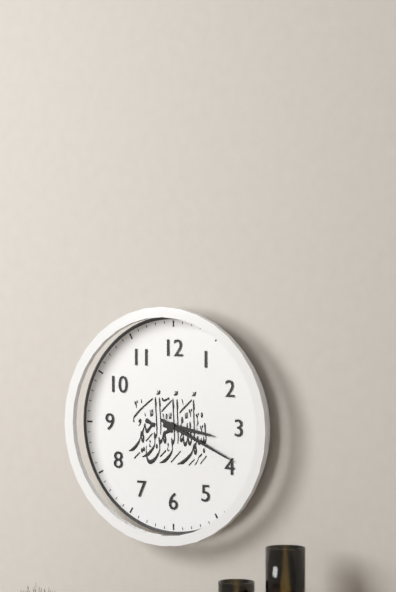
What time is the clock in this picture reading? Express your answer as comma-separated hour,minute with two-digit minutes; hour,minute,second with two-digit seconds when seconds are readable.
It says 3,19
